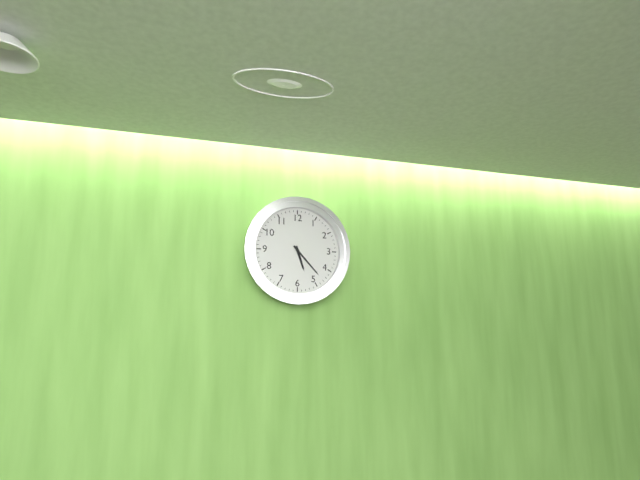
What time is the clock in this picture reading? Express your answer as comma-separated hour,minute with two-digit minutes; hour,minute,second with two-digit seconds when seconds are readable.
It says 5,23
